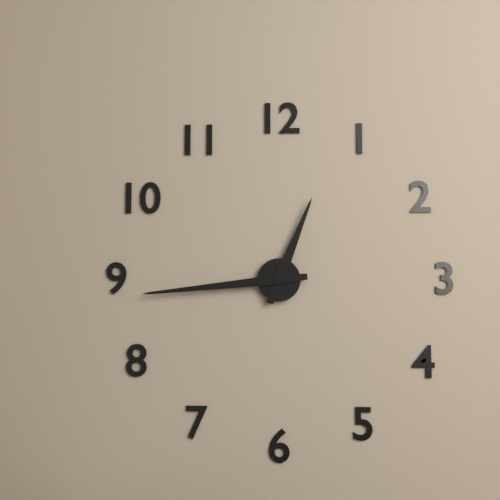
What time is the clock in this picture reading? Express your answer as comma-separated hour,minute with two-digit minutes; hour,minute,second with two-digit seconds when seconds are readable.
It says 12,44
